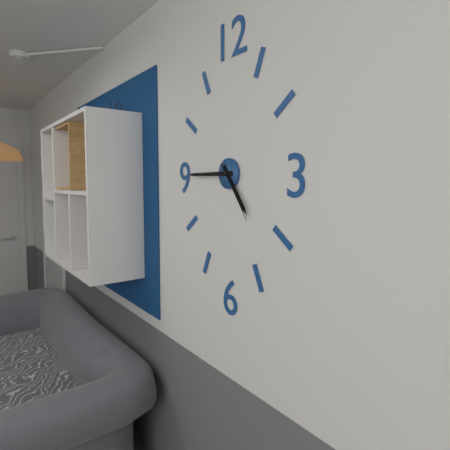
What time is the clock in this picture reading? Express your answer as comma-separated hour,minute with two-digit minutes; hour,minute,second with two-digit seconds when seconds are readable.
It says 4,45,24
